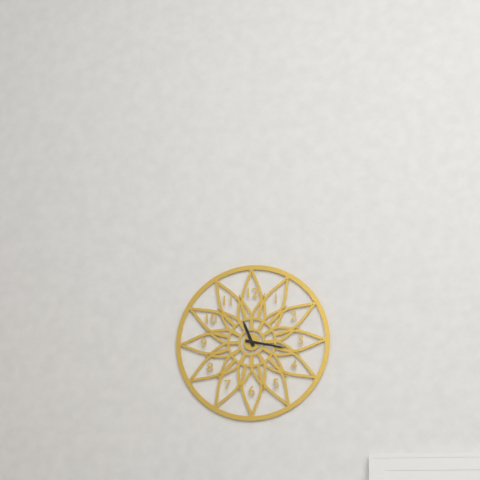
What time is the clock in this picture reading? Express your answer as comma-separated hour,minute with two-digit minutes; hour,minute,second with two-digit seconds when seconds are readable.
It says 11,17
